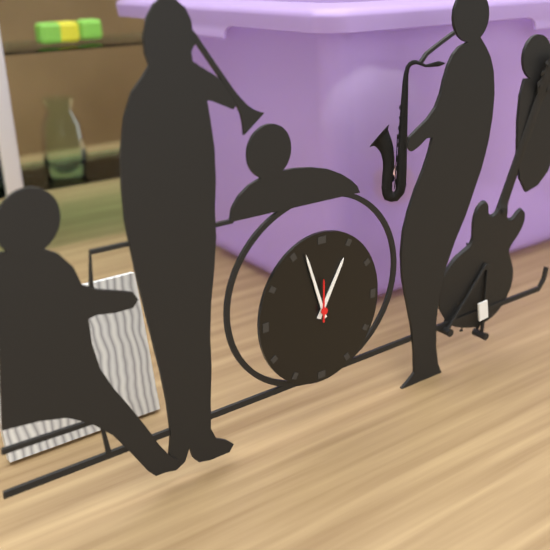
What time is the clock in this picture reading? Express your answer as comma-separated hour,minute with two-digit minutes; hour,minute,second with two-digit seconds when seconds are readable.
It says 12,57
